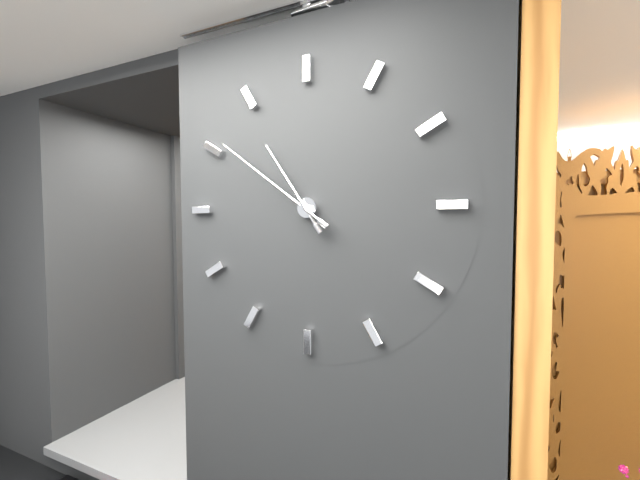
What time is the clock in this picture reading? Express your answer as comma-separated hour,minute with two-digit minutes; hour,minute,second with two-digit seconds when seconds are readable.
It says 10,51
